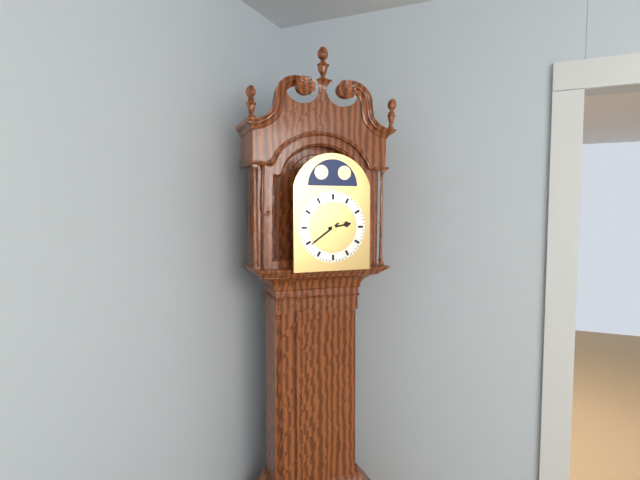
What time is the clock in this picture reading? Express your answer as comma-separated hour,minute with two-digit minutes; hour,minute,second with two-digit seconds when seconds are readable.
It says 2,39
